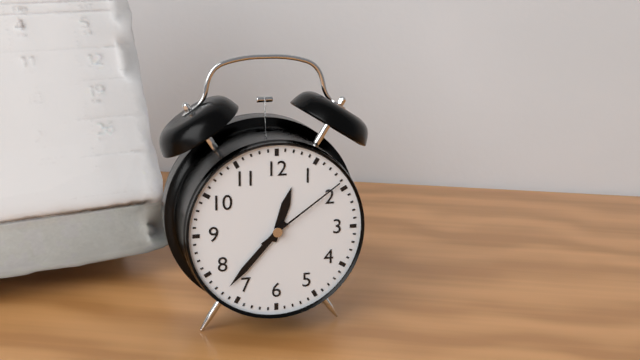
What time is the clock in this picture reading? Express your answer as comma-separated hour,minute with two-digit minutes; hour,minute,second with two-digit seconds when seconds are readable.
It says 12,37,09
